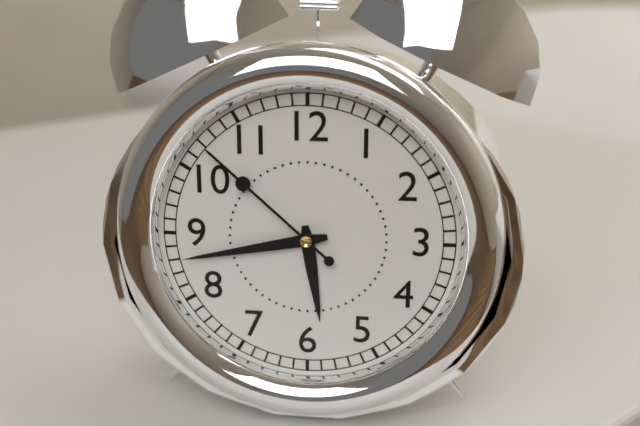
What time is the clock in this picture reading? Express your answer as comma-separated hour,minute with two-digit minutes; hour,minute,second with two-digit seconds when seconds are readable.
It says 5,43,52
